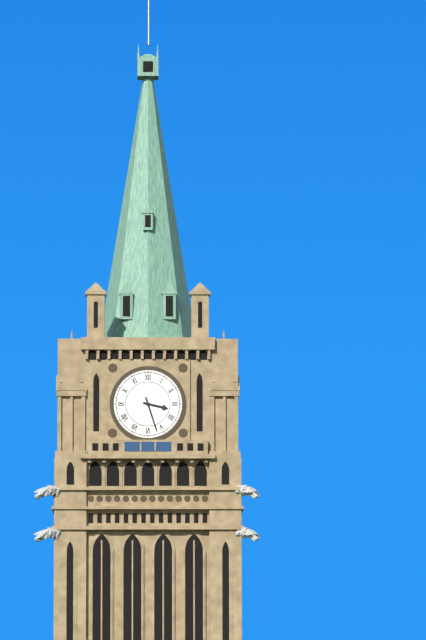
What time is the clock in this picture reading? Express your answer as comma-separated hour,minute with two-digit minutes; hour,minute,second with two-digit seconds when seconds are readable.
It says 3,27
